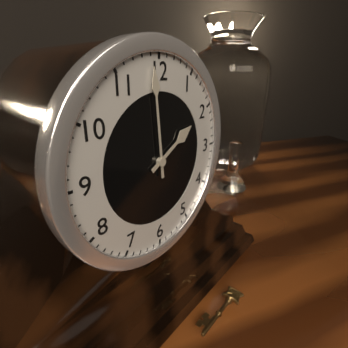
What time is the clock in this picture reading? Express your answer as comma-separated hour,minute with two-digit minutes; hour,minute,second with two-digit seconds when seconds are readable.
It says 1,59
